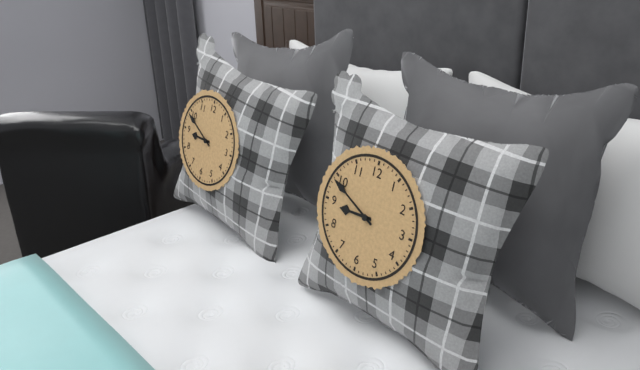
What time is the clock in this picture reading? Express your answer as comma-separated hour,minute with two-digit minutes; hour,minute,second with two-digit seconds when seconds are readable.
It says 8,49
